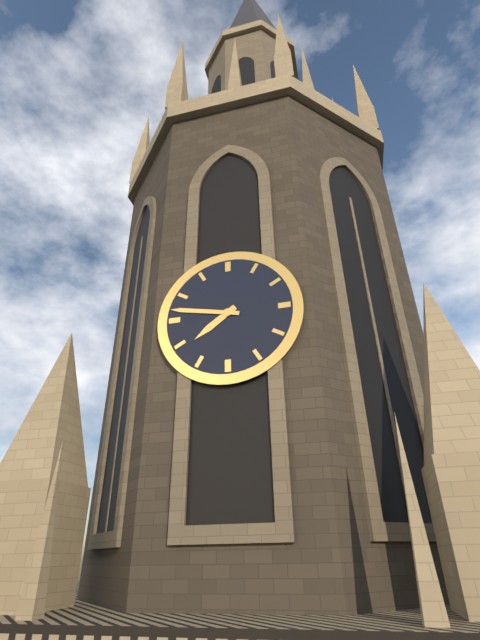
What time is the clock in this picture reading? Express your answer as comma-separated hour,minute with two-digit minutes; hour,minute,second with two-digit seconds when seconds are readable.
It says 7,47
